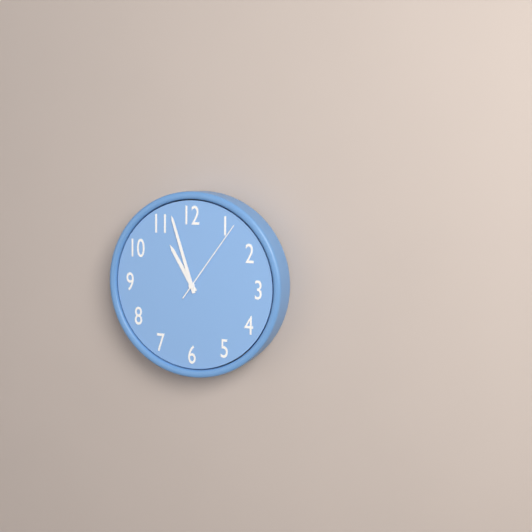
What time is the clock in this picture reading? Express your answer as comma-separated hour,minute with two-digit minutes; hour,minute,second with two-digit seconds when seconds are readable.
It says 10,57,06
